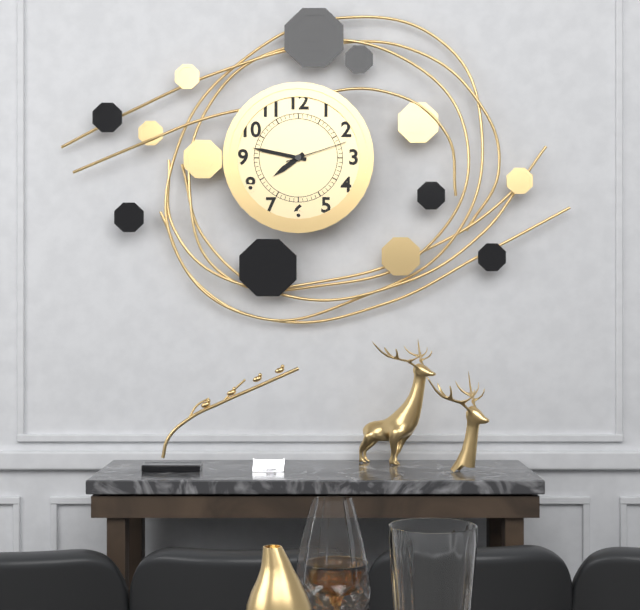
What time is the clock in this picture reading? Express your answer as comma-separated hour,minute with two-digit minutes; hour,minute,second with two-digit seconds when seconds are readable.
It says 7,47,12
